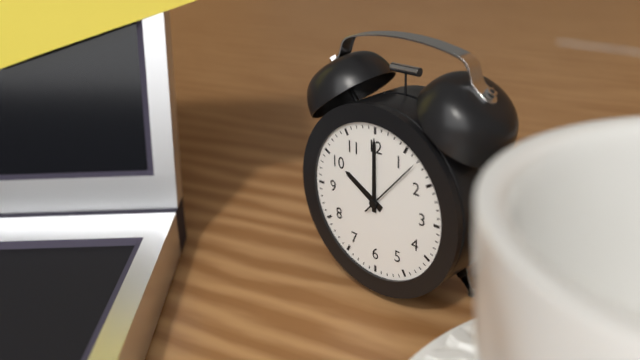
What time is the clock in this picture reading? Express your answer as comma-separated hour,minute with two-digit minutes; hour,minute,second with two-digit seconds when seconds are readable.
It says 10,00,07
